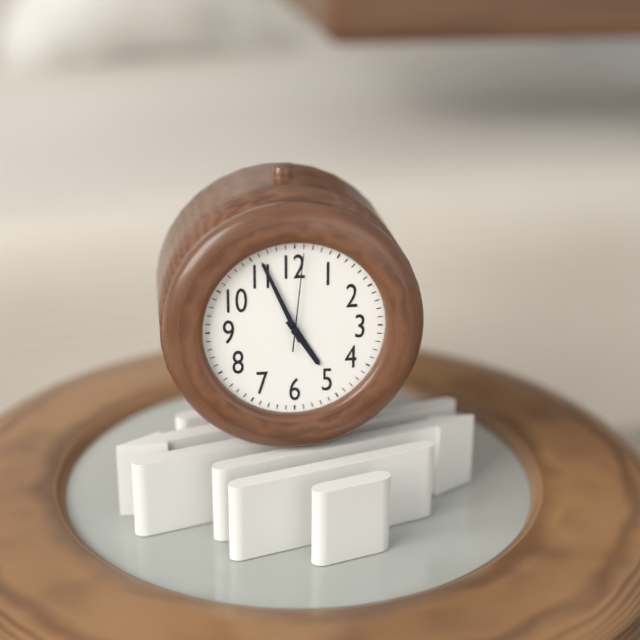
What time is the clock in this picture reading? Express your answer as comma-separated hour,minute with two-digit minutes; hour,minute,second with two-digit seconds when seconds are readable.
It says 4,56,01
